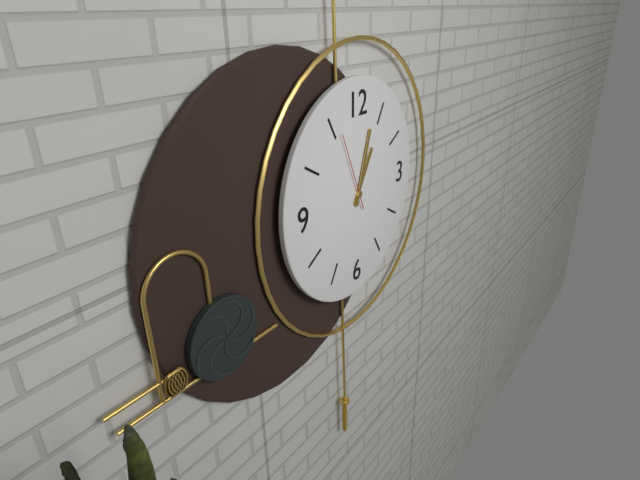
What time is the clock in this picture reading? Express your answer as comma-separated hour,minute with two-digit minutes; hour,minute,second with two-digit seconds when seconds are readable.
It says 1,03,56
